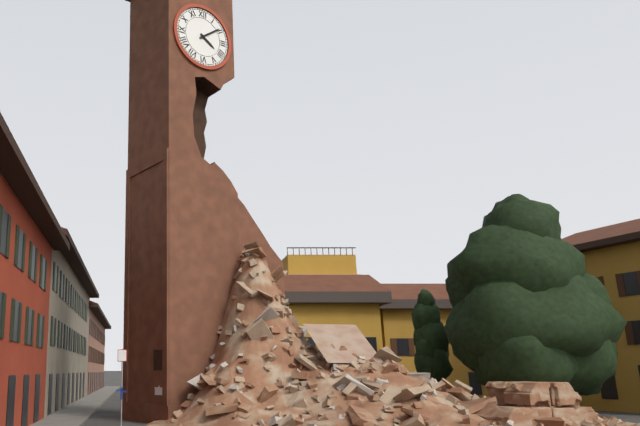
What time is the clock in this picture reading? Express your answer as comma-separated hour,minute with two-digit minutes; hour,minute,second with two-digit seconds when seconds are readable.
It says 4,09
